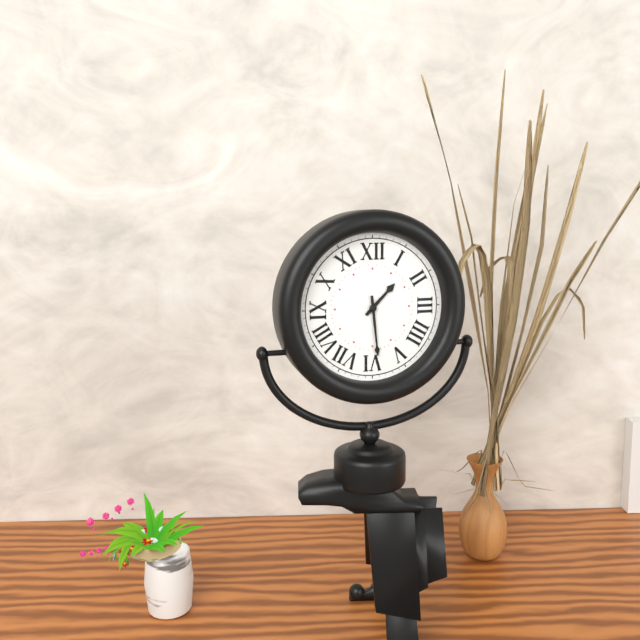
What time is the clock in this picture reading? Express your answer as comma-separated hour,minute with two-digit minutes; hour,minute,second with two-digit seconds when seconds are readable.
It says 1,29
